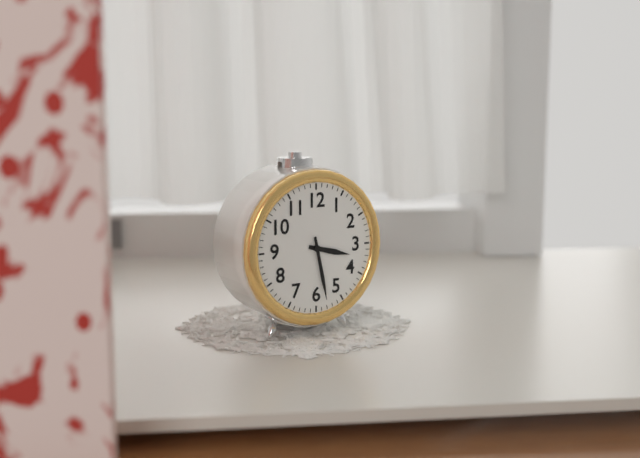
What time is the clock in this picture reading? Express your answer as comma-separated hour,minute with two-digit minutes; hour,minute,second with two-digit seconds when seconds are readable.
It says 3,28
